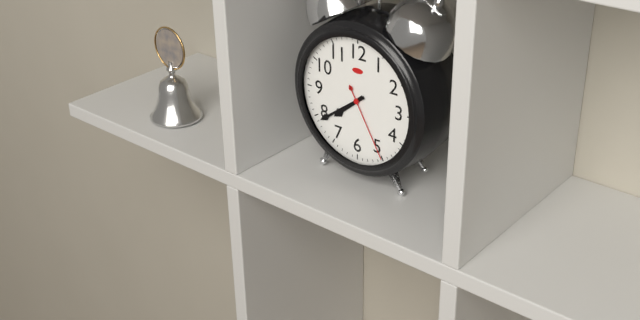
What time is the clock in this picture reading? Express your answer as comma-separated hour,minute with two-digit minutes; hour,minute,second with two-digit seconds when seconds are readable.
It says 7,39,25
